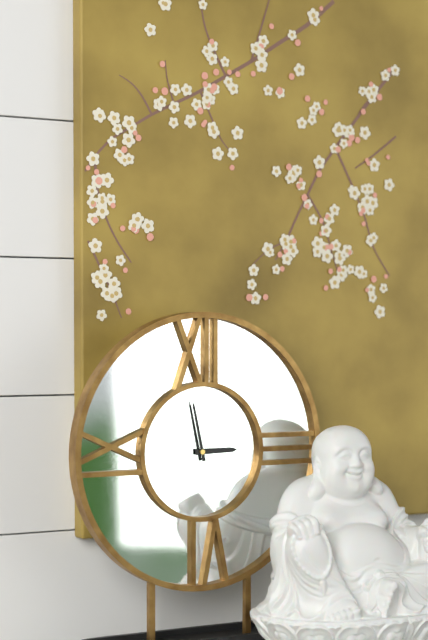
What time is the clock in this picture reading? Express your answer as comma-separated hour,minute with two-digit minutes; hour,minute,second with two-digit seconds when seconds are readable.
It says 2,58
